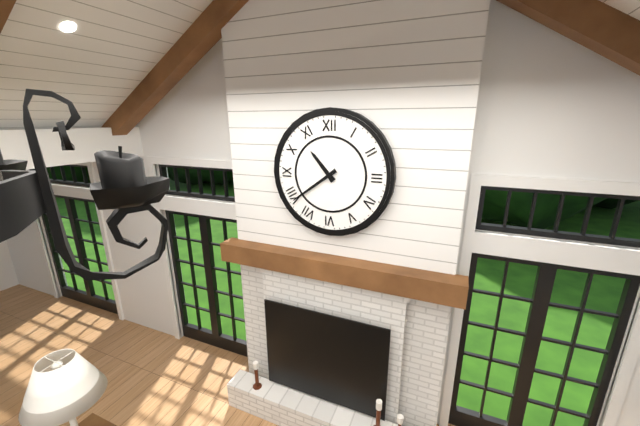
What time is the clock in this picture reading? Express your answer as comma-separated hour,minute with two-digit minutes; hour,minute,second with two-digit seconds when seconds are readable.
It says 10,39
